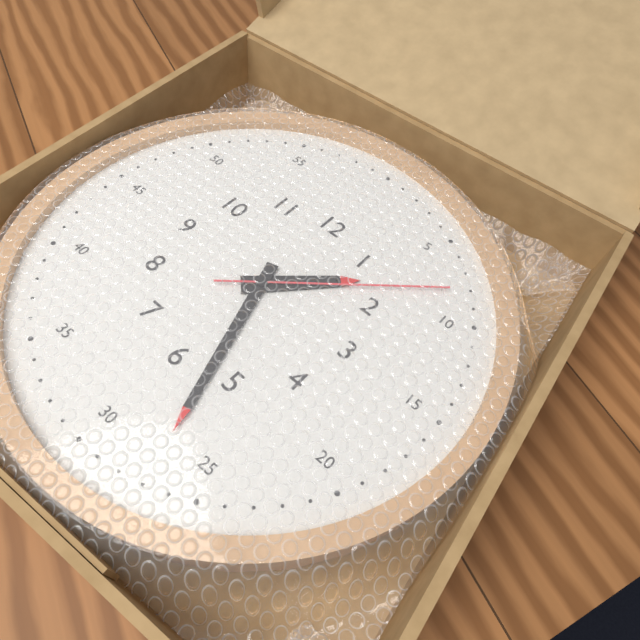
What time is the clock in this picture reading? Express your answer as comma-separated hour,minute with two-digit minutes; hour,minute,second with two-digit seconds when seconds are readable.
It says 1,27,08
